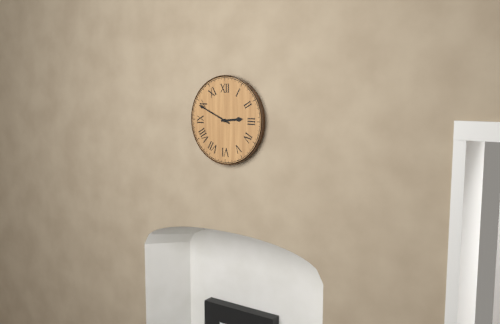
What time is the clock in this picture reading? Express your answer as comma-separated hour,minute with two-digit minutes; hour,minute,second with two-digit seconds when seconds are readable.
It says 2,49
